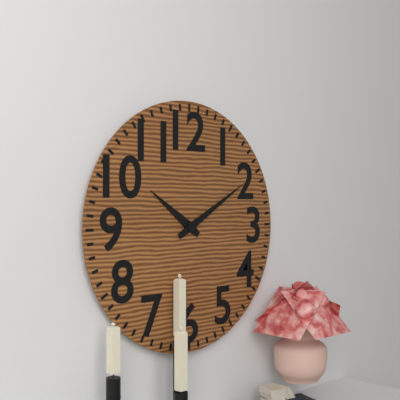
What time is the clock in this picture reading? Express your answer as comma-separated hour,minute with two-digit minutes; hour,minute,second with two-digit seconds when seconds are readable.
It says 10,10
